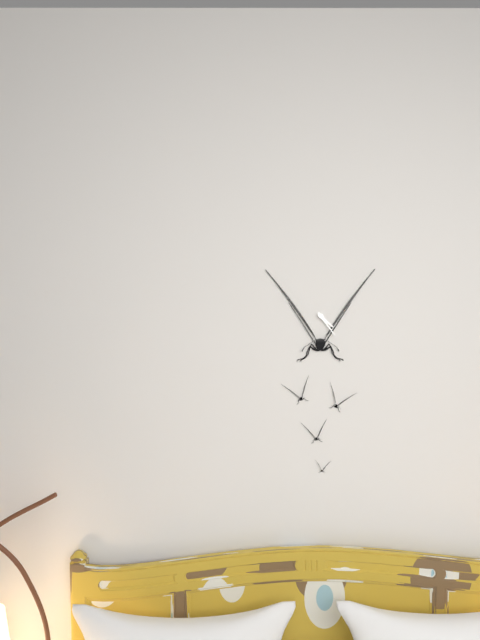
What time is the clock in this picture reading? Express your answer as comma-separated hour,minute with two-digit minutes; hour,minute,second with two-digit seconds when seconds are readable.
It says 4,24
